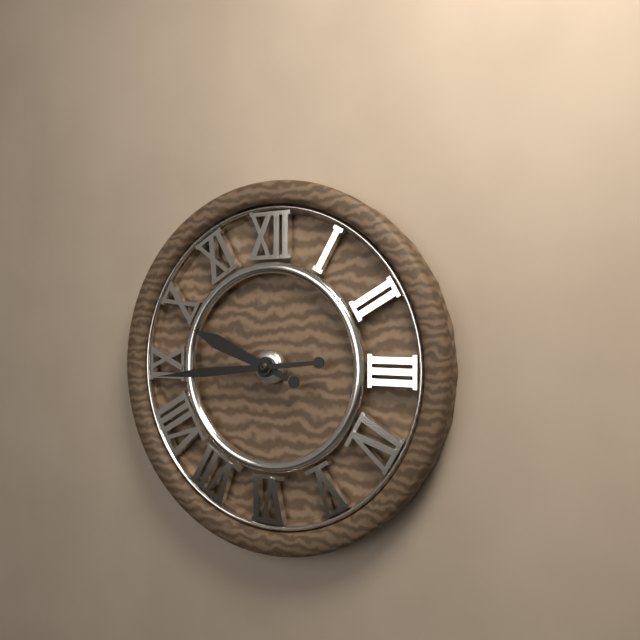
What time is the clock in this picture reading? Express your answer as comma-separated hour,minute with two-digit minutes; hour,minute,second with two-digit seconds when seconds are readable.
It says 9,44
